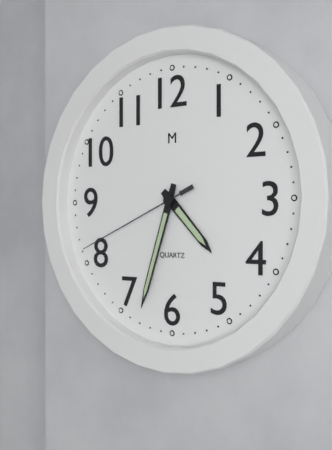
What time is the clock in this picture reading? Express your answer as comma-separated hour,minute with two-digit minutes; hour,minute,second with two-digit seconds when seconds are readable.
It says 4,33,41
